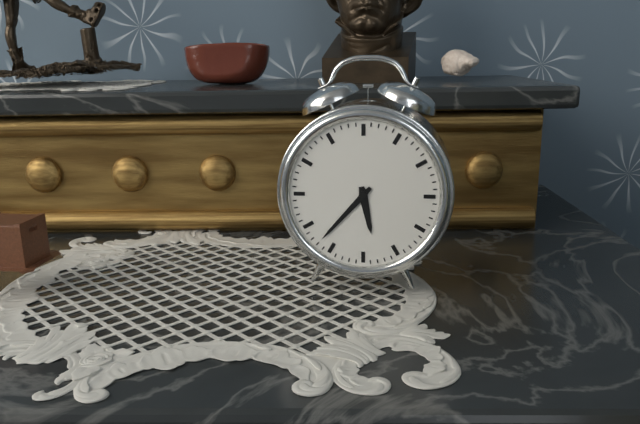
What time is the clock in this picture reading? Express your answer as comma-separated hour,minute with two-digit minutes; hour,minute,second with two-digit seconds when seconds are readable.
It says 5,37
